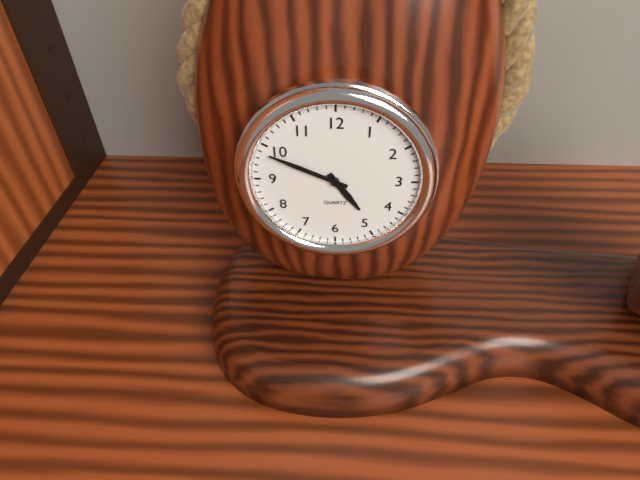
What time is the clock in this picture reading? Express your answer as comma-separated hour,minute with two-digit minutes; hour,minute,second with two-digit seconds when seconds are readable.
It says 4,49
